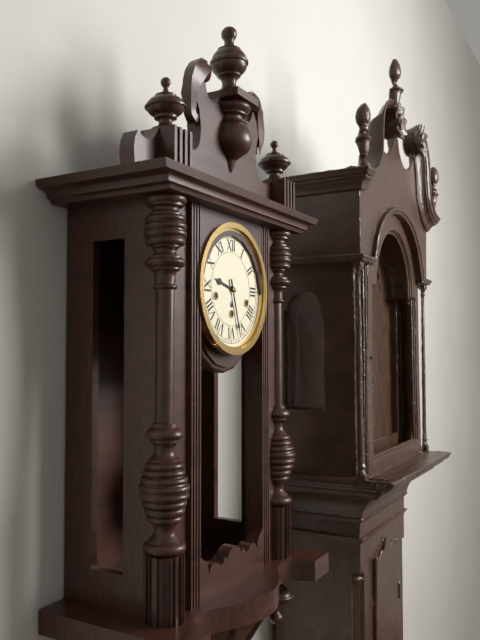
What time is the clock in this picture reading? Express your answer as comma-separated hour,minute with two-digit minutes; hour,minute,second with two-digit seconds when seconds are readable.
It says 9,27
